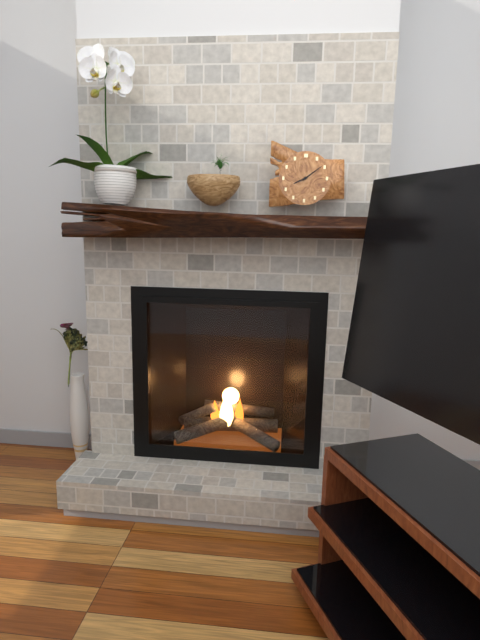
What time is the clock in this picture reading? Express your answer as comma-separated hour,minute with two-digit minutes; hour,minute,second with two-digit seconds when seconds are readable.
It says 8,09
